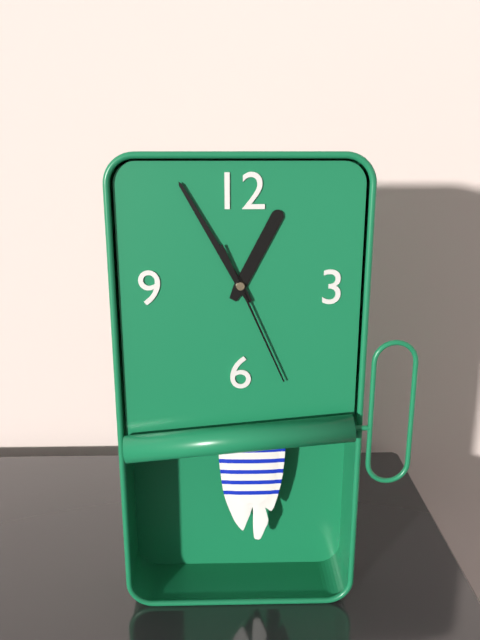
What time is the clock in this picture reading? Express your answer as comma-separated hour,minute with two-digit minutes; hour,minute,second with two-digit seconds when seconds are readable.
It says 12,55,26
